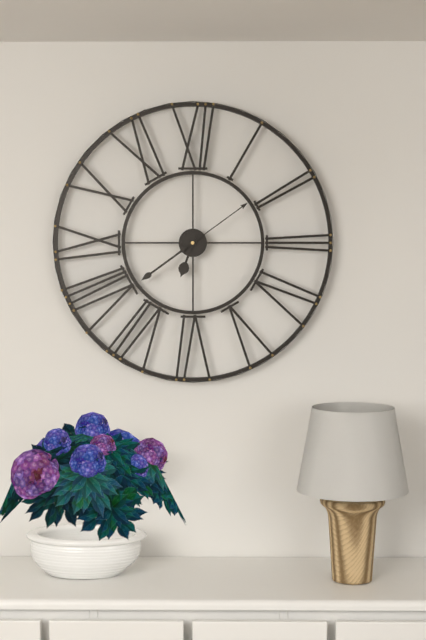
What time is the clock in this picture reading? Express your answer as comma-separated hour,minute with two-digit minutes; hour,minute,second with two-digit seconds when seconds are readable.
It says 6,39,09
